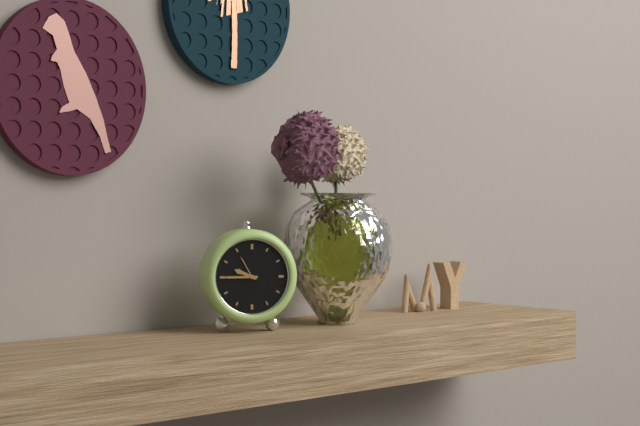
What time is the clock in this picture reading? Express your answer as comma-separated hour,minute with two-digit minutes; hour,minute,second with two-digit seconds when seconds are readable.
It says 9,45
